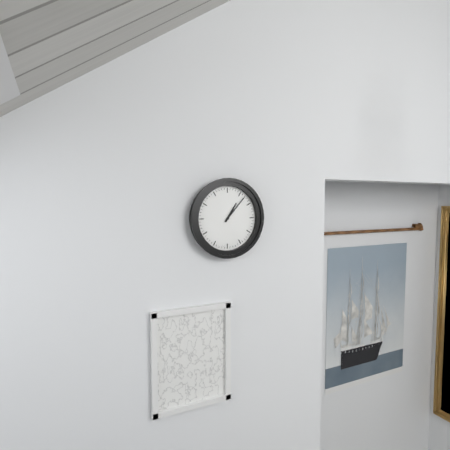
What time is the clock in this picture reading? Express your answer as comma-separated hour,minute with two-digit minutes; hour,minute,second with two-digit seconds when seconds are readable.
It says 1,07
